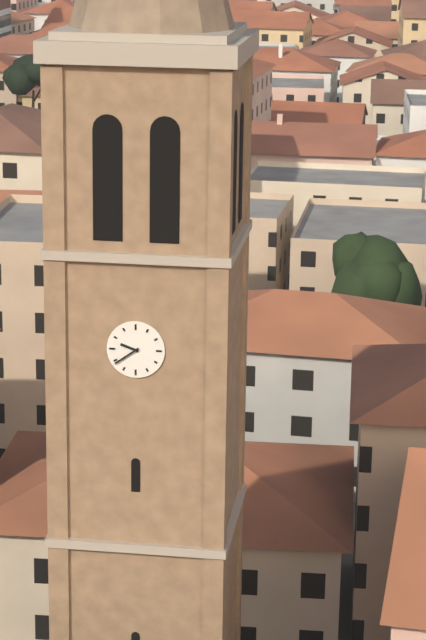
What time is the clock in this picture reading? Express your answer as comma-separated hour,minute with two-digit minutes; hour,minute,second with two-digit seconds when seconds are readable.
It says 9,39
